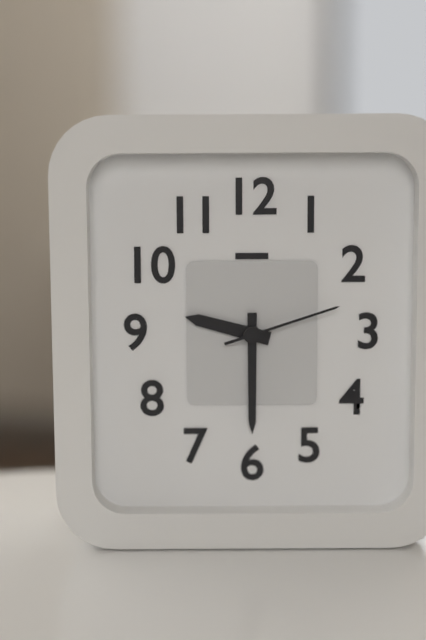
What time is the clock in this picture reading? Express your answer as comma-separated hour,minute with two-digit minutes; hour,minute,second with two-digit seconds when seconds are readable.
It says 9,30,12
